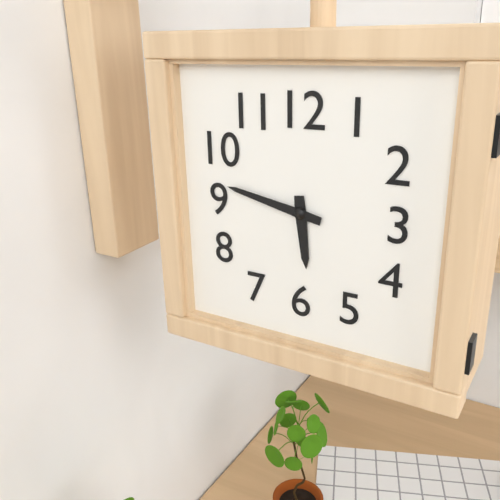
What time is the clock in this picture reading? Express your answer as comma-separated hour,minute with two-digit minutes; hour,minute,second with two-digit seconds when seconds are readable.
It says 5,47
